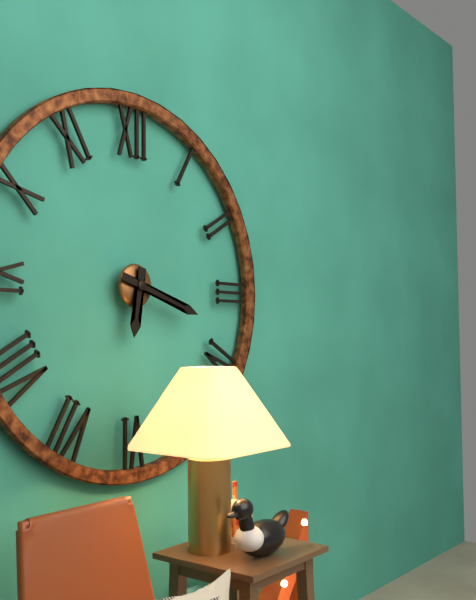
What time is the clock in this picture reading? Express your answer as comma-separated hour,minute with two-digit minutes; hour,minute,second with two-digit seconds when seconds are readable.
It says 6,18
